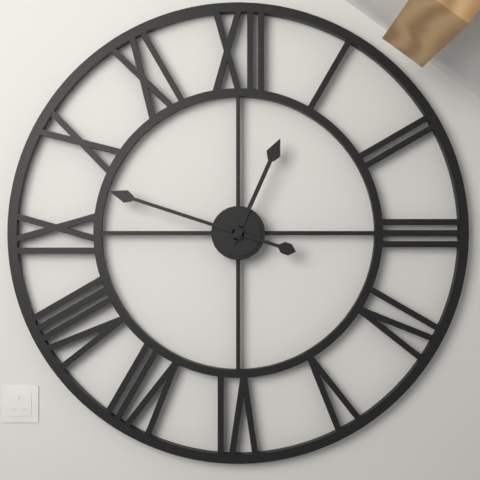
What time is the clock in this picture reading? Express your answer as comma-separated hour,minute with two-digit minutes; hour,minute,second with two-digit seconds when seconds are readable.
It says 12,48
